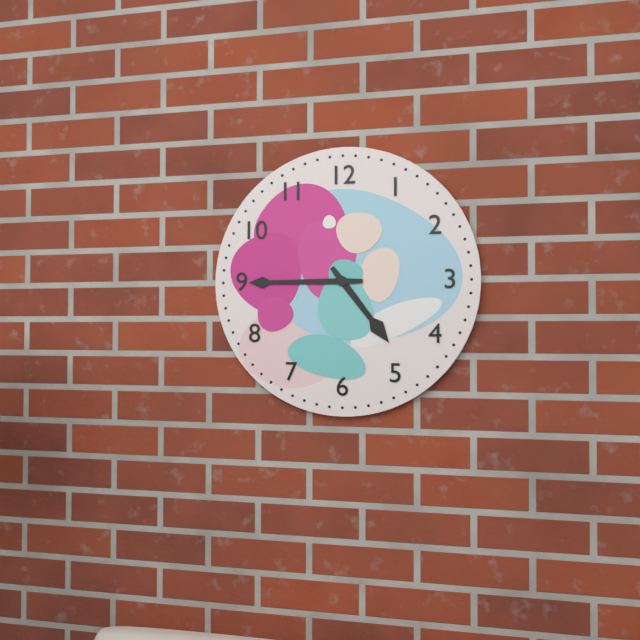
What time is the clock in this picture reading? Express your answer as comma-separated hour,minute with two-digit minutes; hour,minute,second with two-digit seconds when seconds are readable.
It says 4,45
